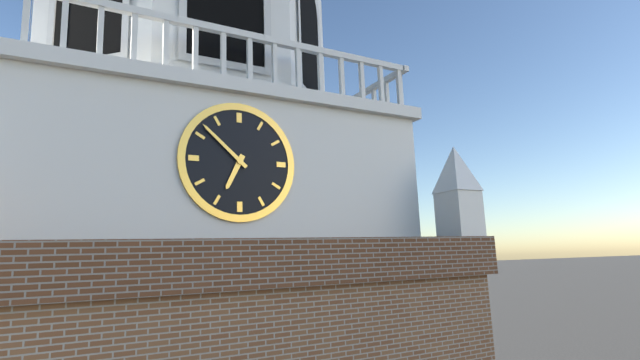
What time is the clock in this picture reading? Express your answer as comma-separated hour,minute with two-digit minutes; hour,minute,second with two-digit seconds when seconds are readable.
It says 6,52
